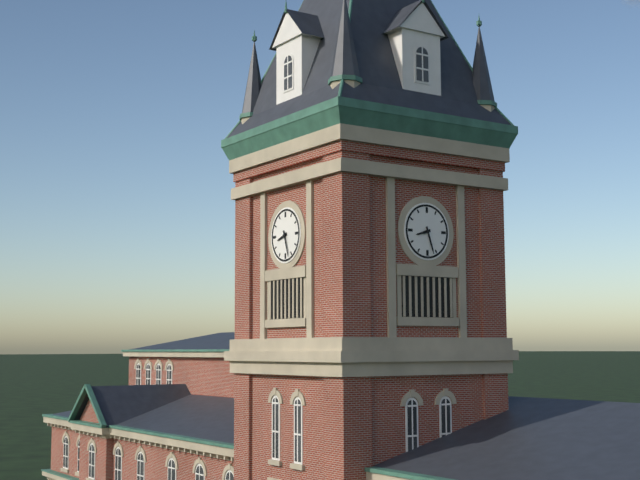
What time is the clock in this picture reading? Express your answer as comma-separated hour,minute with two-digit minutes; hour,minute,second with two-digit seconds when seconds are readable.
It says 8,27
